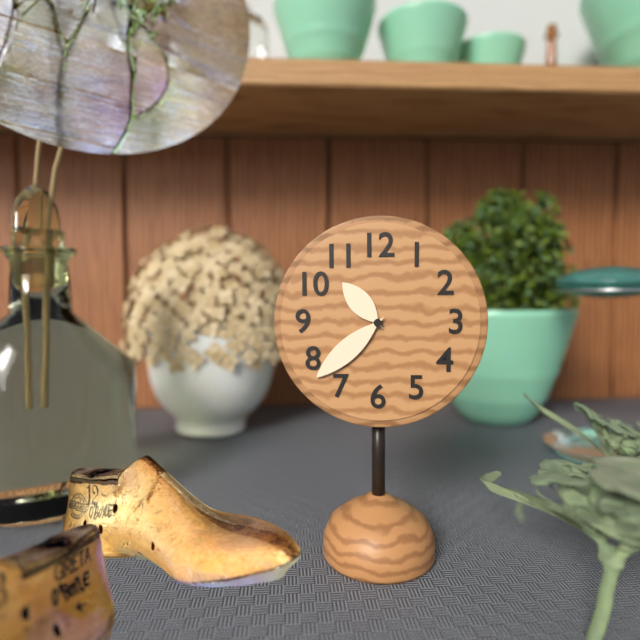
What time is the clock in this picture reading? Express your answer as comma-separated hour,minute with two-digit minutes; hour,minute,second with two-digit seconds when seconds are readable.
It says 10,38
